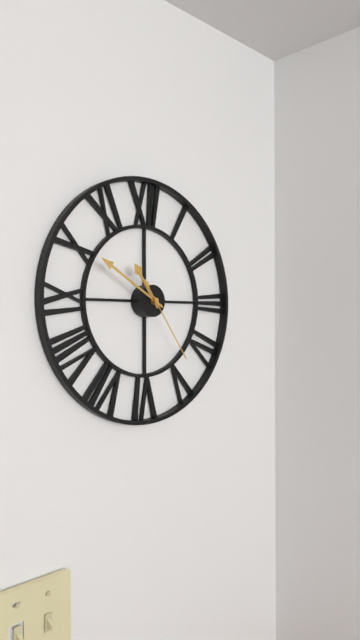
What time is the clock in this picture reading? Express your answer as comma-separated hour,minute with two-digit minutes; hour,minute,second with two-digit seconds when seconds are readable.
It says 10,50,24
